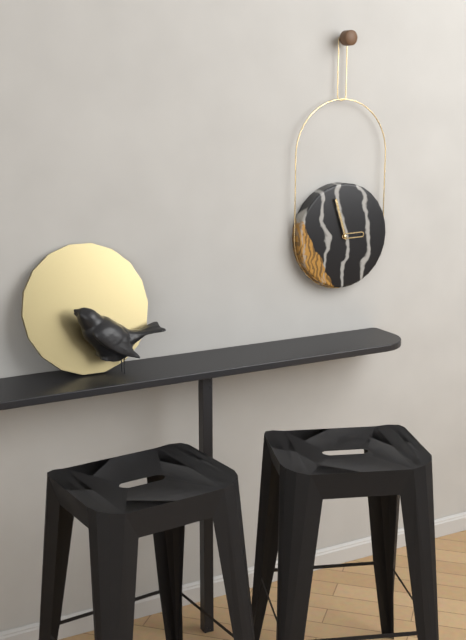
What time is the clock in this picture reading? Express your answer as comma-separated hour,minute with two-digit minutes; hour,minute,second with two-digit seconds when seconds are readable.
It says 2,57
